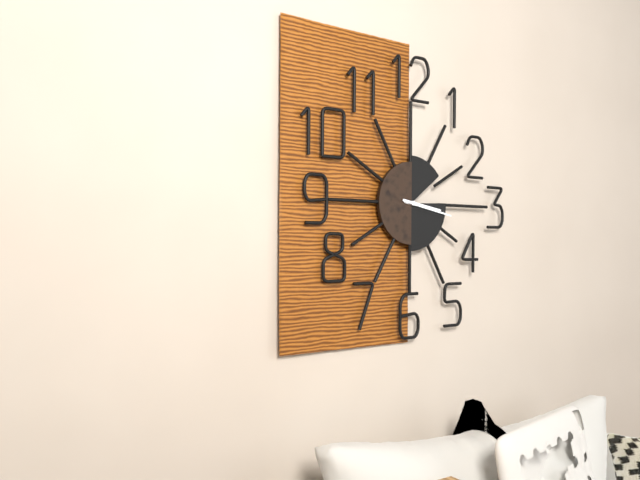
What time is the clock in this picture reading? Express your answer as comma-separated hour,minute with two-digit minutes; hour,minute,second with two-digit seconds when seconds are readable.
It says 3,17
